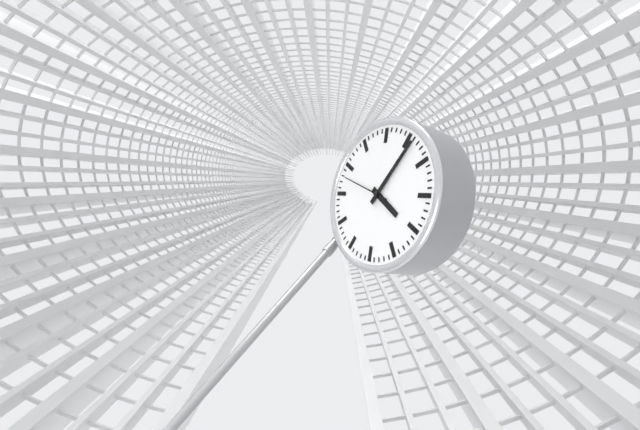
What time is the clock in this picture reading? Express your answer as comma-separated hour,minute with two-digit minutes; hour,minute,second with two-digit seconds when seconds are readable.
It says 4,06
